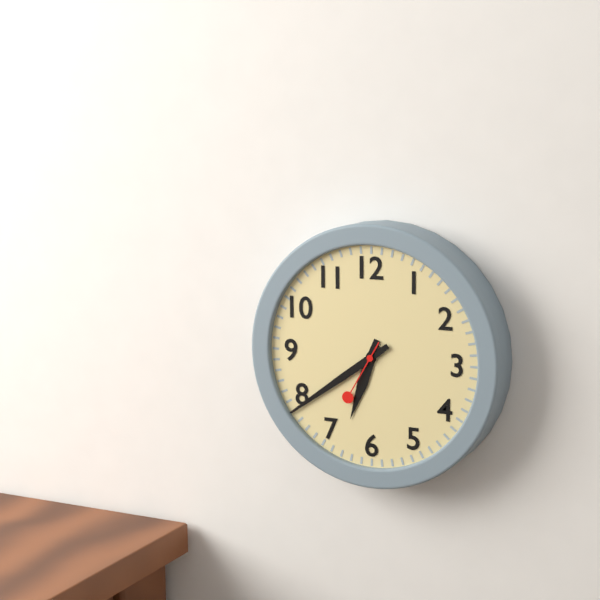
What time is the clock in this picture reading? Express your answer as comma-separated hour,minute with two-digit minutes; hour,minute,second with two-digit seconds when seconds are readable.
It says 6,39,35
